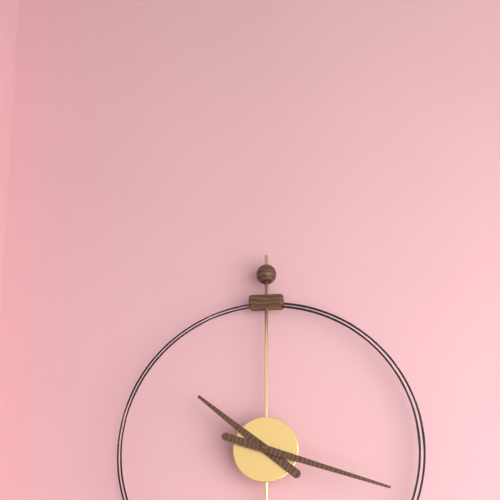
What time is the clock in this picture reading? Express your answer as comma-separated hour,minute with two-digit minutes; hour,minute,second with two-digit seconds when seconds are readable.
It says 10,18
